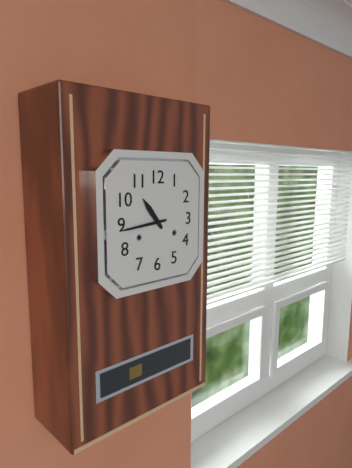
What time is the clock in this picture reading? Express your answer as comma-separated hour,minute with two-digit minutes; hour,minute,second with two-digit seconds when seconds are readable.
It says 10,44
